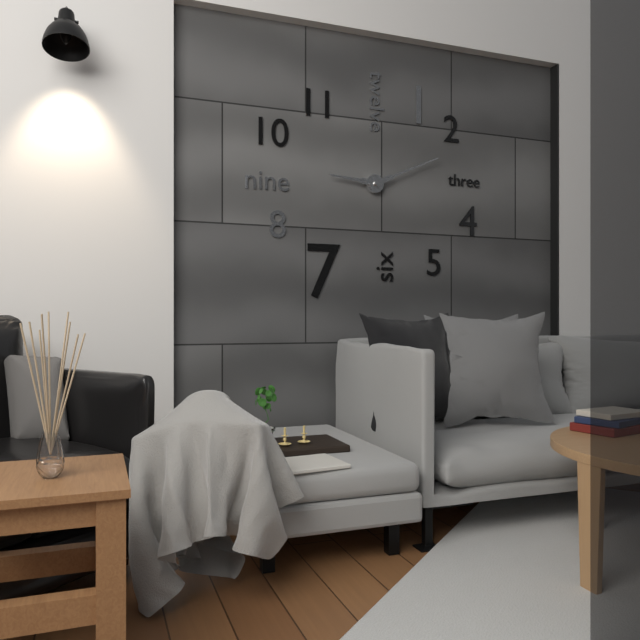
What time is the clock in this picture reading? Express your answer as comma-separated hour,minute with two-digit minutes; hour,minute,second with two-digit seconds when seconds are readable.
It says 9,11
